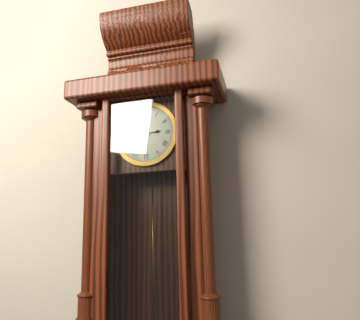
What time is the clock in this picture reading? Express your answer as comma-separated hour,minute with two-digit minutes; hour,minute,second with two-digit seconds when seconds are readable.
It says 2,50
